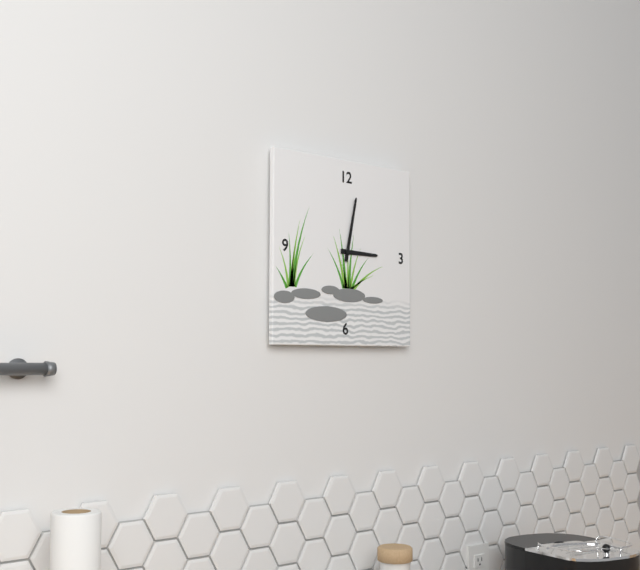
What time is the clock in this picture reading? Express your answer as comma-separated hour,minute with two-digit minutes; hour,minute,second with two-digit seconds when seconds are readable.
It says 3,02
